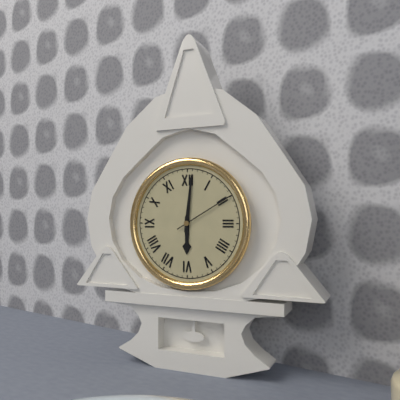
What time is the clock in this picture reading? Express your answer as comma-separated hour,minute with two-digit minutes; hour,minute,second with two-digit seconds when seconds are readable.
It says 6,01,10
